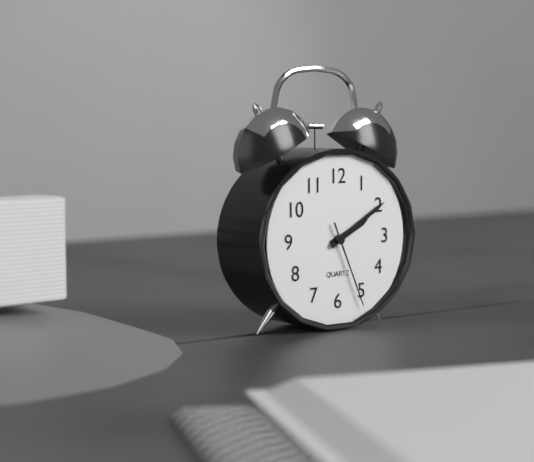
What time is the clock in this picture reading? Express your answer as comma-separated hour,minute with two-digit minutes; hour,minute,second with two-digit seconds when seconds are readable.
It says 2,10,26
